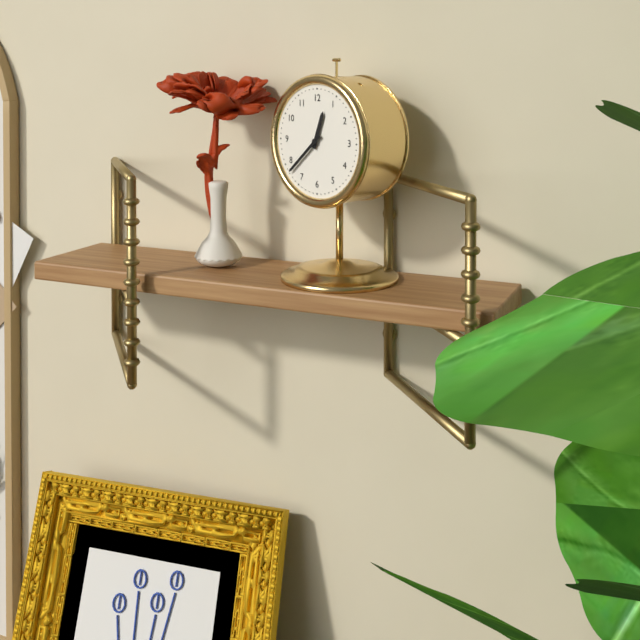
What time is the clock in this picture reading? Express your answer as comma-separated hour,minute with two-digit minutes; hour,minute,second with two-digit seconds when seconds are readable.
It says 12,38
